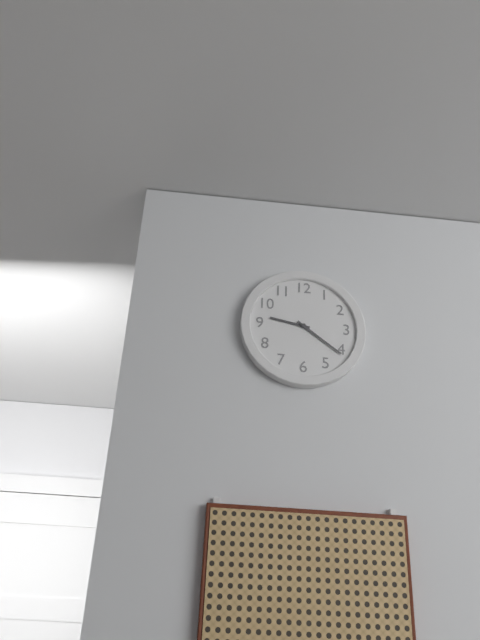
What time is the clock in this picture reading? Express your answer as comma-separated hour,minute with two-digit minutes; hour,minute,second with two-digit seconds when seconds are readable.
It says 9,21
